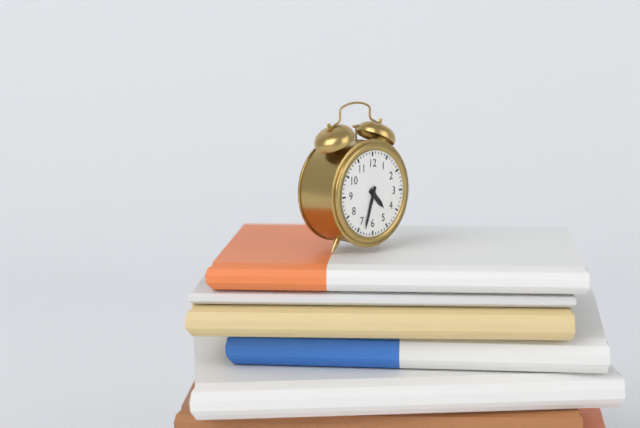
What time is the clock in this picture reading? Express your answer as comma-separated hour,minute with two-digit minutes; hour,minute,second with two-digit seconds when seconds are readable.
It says 4,33
